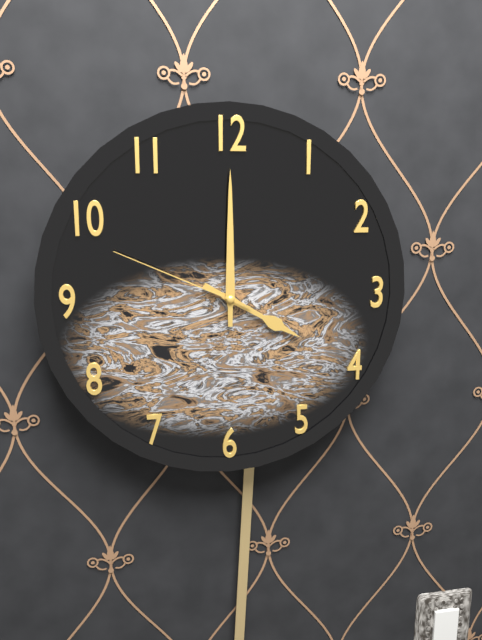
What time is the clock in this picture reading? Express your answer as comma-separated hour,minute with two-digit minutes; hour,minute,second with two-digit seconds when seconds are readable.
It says 4,00,49
